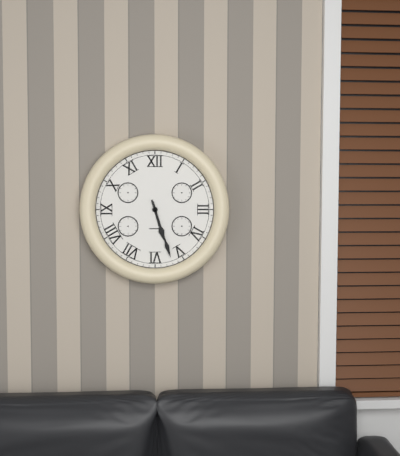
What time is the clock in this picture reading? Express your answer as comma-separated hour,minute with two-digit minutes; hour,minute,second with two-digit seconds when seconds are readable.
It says 5,27
